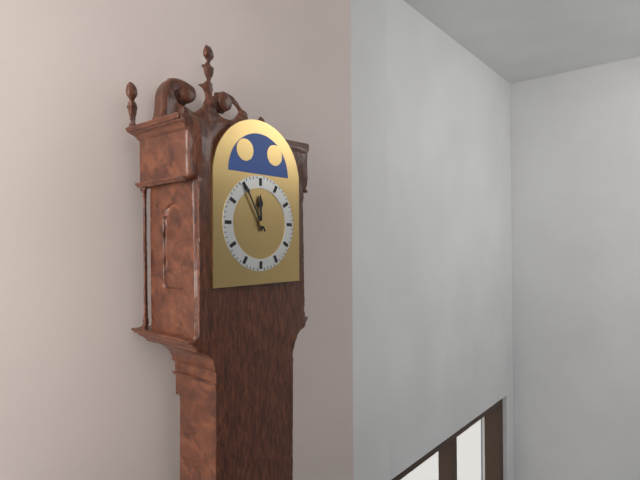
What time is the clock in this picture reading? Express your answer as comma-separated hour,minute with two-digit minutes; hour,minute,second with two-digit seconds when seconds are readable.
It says 11,55
